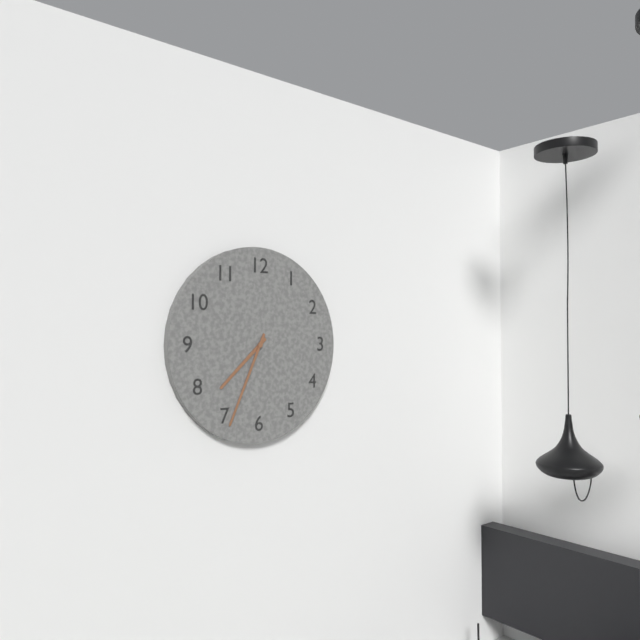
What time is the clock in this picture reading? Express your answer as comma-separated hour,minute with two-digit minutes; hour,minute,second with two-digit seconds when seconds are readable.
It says 7,34
